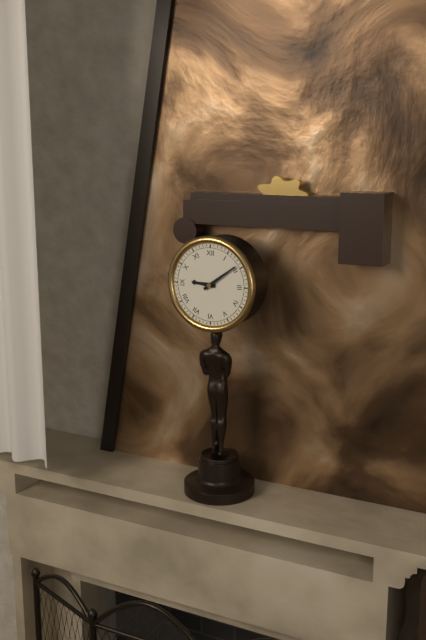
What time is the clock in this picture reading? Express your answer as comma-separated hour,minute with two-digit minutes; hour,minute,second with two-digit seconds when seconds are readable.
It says 9,09
